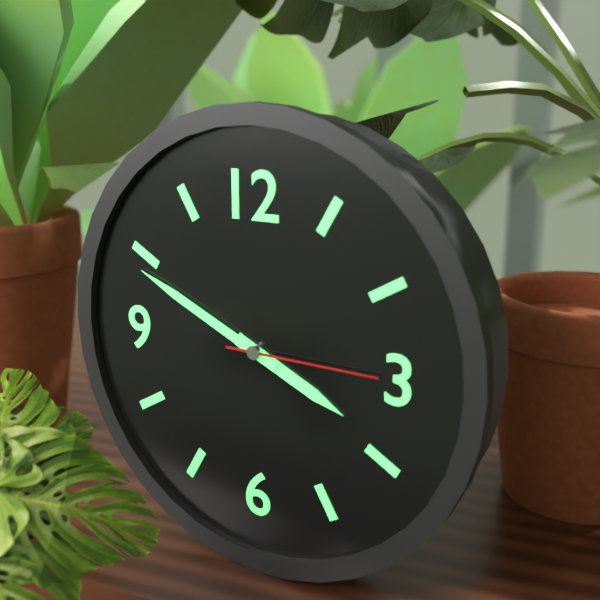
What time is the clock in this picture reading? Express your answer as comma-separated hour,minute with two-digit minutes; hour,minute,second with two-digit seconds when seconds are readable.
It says 3,49,15
